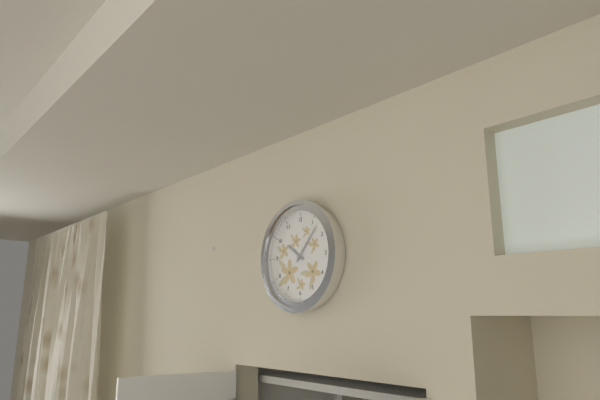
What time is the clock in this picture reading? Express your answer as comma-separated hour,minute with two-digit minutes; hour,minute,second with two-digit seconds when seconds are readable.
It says 10,07
